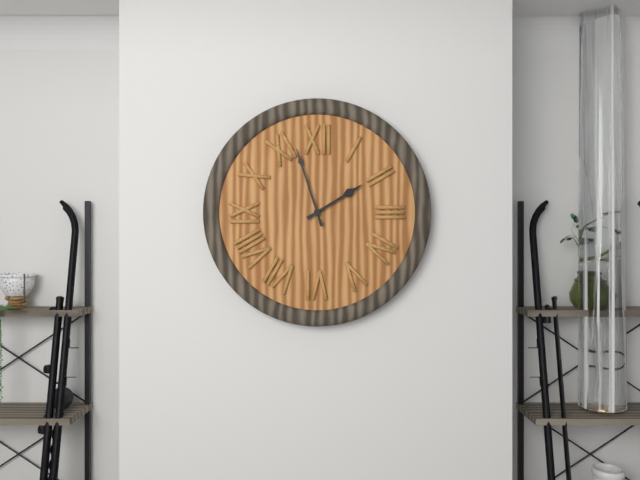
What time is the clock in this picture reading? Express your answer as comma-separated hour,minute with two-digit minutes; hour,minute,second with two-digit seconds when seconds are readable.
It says 1,57
